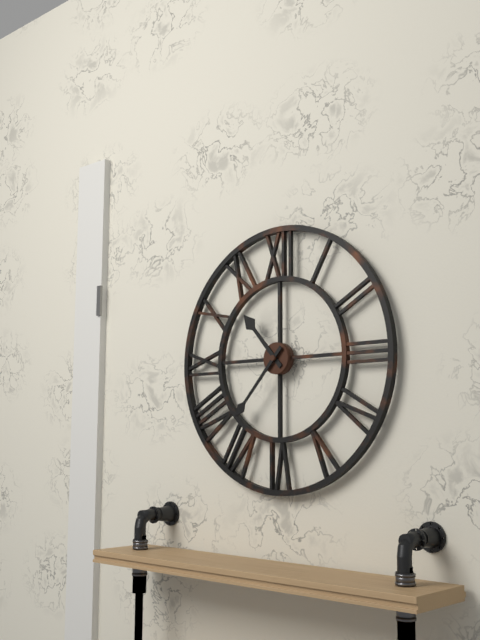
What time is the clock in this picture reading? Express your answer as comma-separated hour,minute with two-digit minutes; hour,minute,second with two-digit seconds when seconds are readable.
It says 10,37
